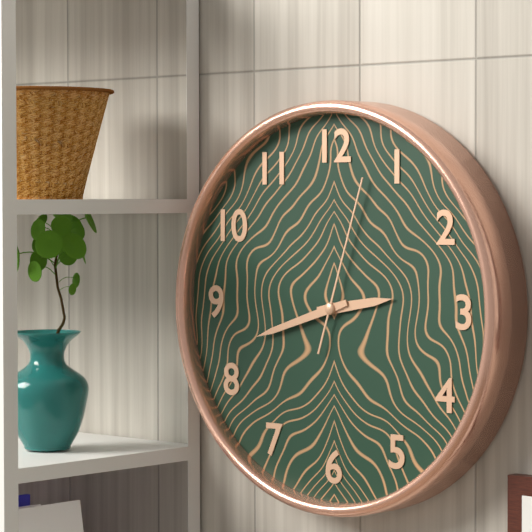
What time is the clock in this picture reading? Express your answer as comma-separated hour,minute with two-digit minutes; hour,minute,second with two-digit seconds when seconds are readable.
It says 2,42,03
